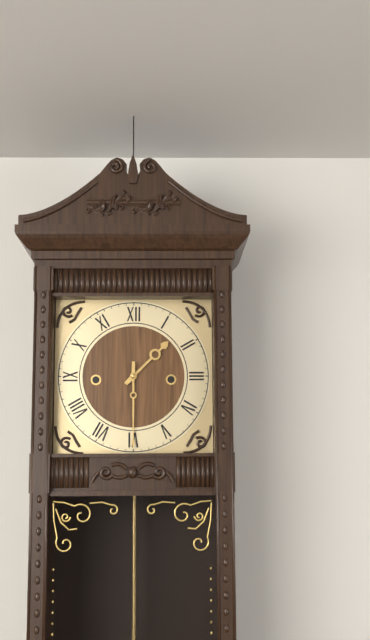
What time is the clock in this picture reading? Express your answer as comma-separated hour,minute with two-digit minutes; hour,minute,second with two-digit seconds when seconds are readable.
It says 1,30
